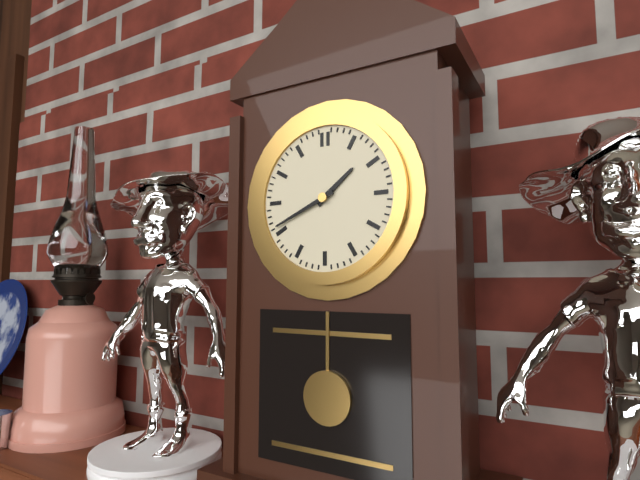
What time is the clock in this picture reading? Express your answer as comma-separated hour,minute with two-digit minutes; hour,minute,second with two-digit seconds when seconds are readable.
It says 1,41
